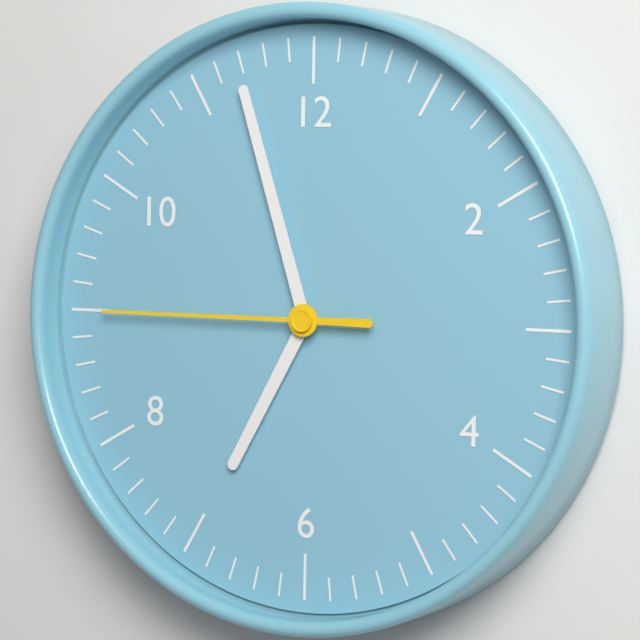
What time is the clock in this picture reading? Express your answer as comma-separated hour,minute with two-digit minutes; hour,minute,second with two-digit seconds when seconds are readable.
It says 6,57,45
